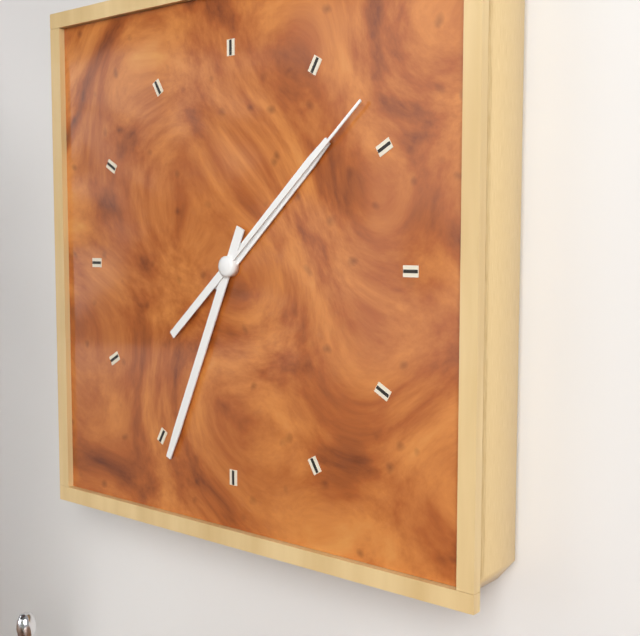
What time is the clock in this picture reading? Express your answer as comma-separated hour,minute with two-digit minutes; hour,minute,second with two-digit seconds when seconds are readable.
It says 1,34,08
